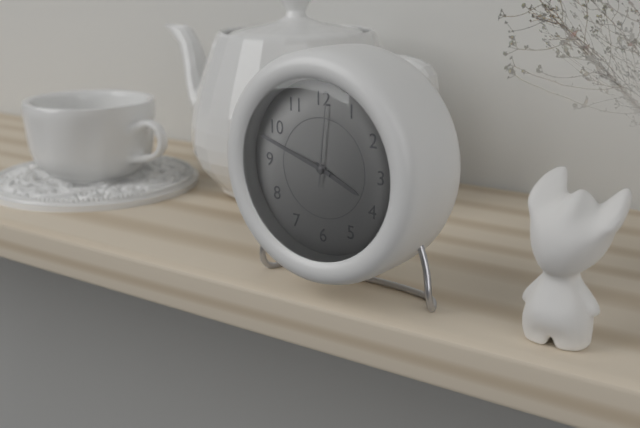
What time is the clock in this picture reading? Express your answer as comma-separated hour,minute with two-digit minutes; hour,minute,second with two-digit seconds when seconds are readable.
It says 3,48,01
